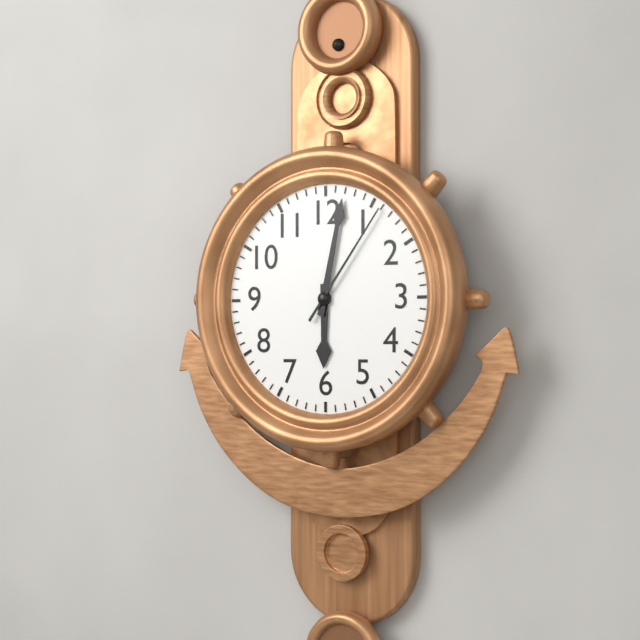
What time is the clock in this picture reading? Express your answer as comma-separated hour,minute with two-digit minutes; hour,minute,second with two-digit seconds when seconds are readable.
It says 6,02,06
